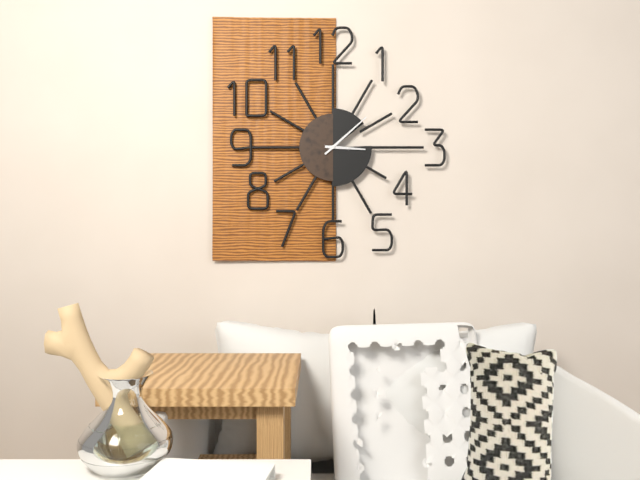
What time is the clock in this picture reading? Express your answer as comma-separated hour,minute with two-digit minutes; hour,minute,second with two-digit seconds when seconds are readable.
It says 3,08
